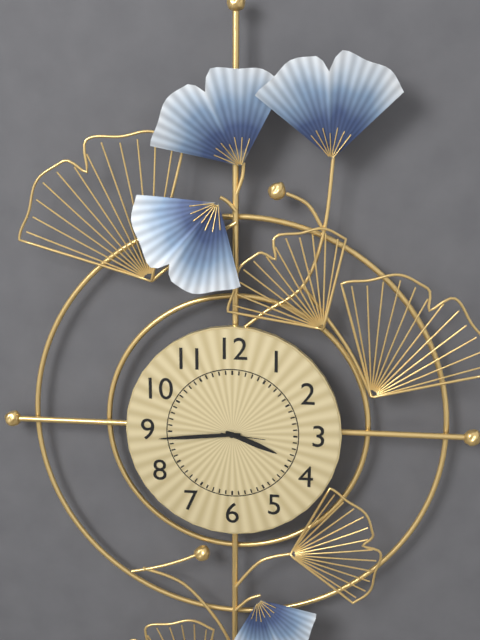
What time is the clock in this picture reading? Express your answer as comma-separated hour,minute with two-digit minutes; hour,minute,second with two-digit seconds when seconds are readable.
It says 3,44
